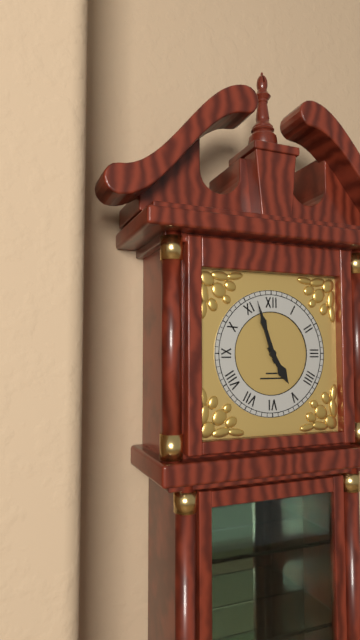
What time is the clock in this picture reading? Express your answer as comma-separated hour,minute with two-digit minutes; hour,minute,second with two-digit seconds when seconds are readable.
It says 4,57
